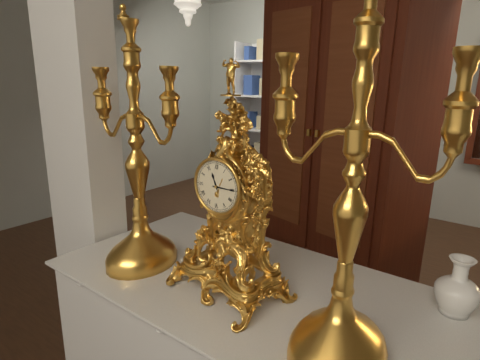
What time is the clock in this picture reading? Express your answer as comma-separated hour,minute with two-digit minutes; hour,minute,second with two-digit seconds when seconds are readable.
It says 11,15
